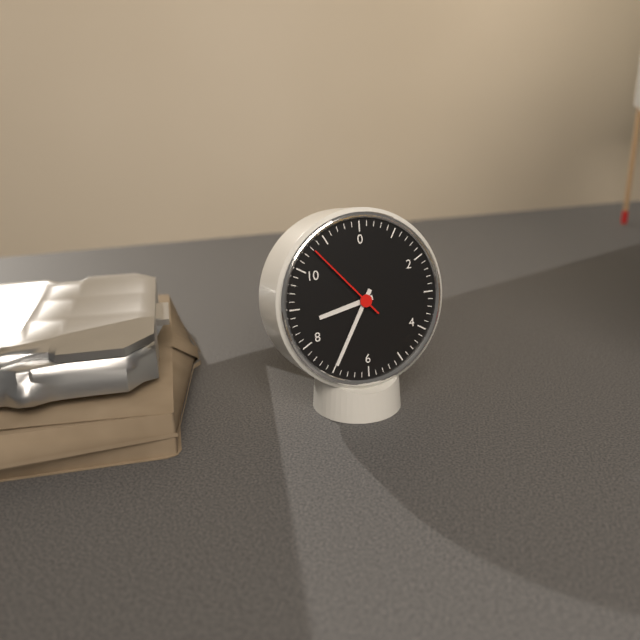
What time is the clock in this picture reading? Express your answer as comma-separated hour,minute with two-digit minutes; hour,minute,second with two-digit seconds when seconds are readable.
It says 8,35,53
